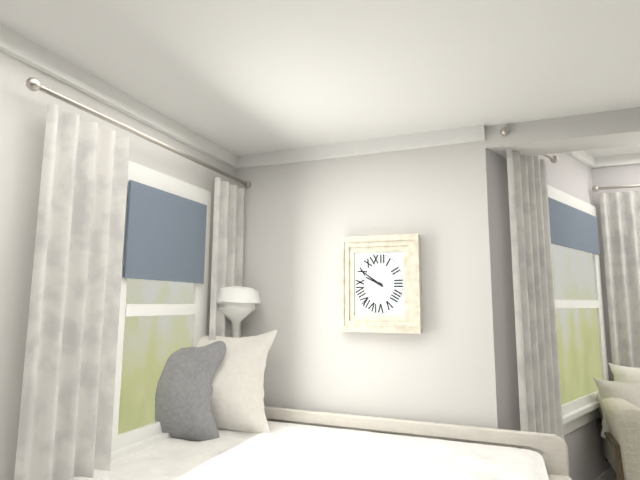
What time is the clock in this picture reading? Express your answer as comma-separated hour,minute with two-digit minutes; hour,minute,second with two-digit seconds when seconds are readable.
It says 9,51
